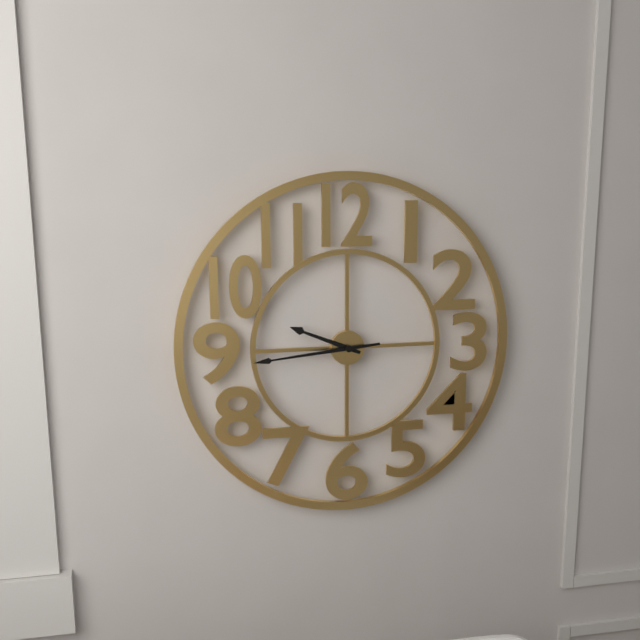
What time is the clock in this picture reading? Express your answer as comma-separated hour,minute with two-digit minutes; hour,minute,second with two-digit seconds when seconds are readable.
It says 9,44
